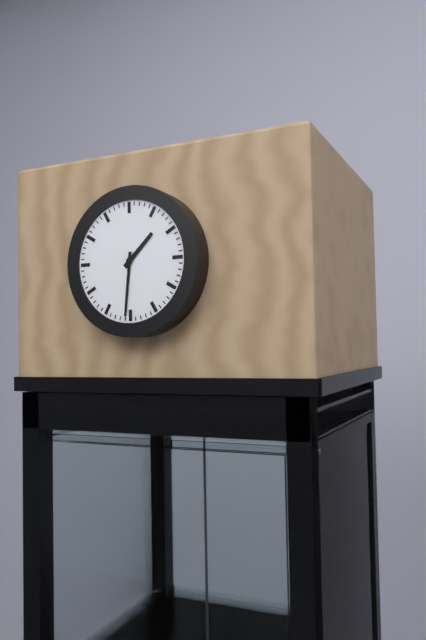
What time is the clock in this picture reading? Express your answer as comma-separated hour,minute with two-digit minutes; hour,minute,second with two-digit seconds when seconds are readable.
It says 1,31
